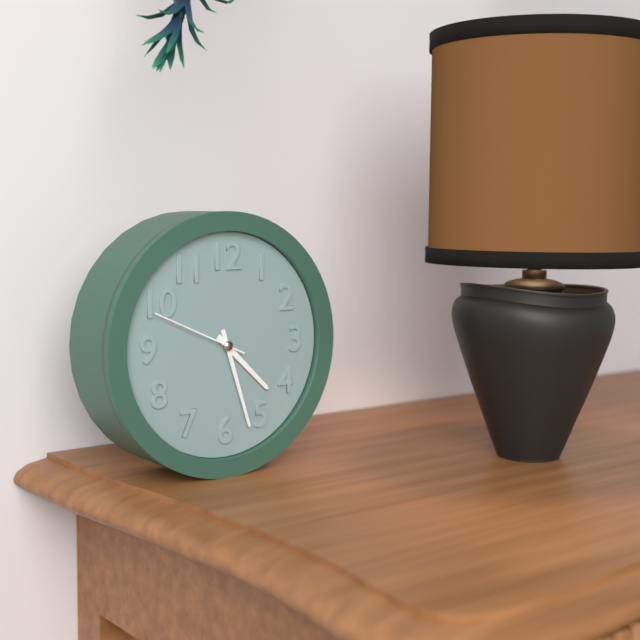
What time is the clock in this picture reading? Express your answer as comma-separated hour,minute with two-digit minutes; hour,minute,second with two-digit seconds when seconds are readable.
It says 4,27,49
